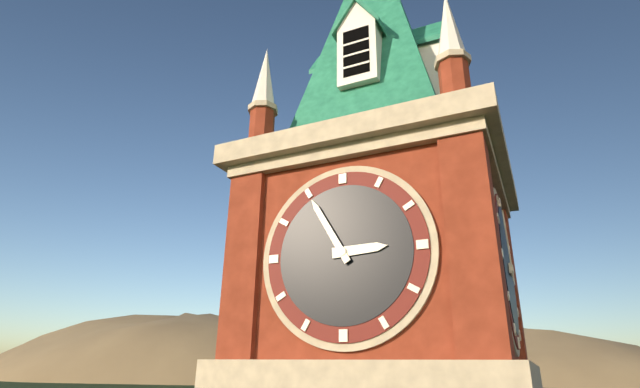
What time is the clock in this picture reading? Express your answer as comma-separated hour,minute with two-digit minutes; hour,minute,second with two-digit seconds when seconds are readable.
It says 2,55
